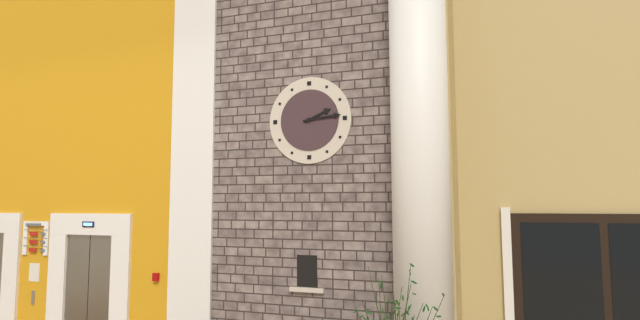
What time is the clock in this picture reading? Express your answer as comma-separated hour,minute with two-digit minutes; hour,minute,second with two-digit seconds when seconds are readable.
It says 2,14
